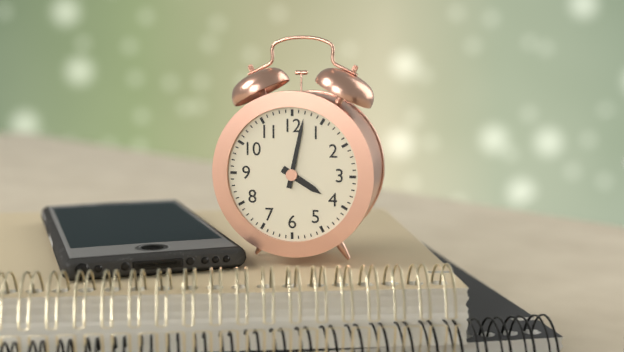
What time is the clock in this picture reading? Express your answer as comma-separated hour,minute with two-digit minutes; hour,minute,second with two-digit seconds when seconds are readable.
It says 4,02
